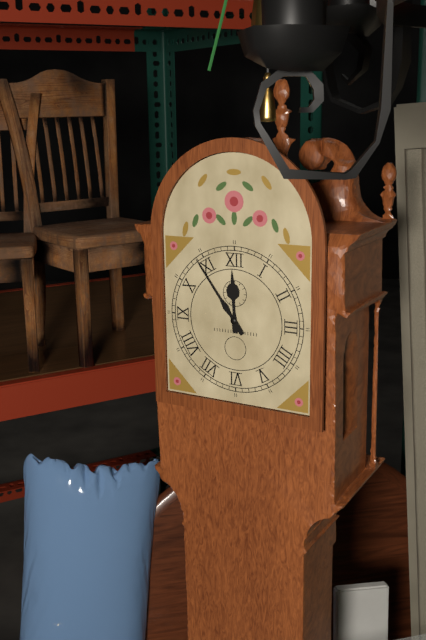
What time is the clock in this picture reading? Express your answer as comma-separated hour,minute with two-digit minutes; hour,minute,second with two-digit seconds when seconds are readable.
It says 11,54
